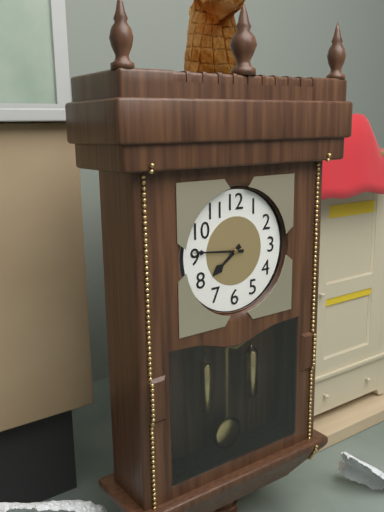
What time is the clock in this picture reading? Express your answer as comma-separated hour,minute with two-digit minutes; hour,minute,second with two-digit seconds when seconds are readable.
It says 7,46
